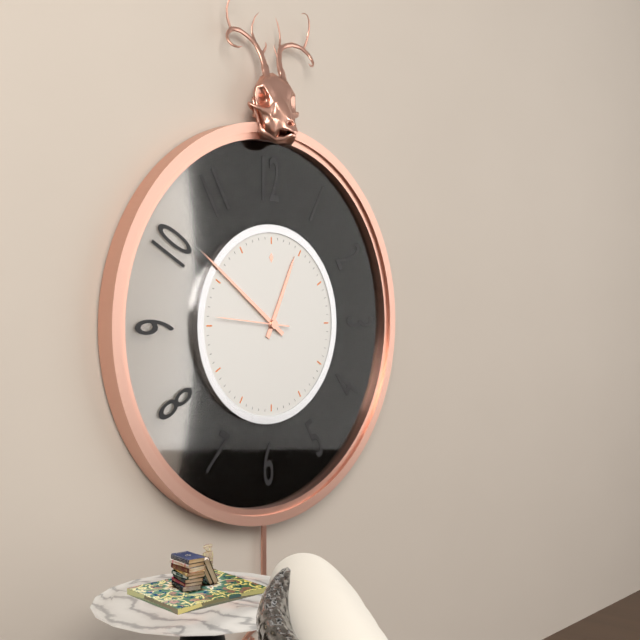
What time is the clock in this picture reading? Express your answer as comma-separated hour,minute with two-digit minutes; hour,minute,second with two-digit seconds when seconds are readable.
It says 12,51,46
